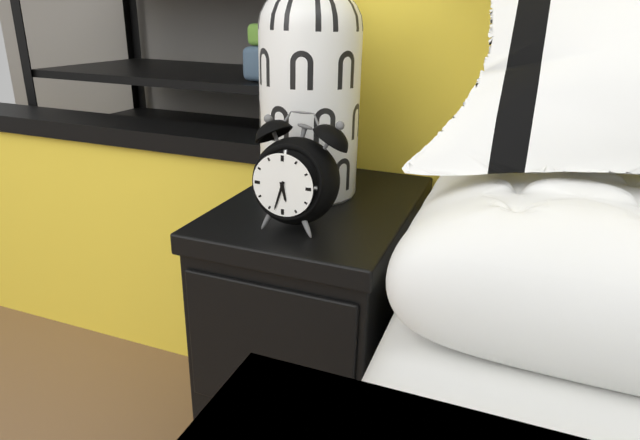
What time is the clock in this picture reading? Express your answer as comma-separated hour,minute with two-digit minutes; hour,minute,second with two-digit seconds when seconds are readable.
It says 5,33
